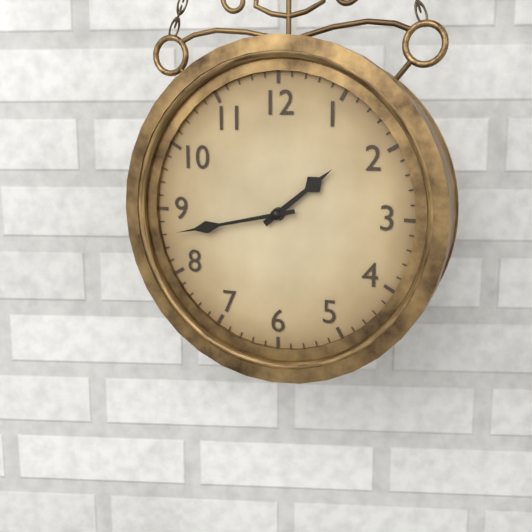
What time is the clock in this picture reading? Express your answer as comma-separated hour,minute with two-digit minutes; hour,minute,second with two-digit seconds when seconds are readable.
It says 1,43
